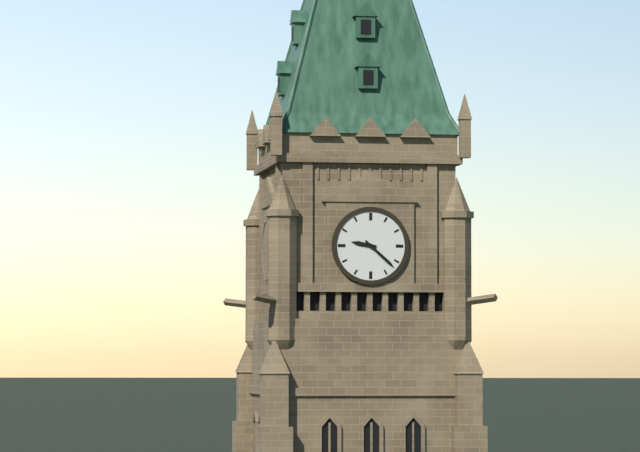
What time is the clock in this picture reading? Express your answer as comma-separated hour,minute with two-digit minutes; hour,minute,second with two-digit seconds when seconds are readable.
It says 9,22
